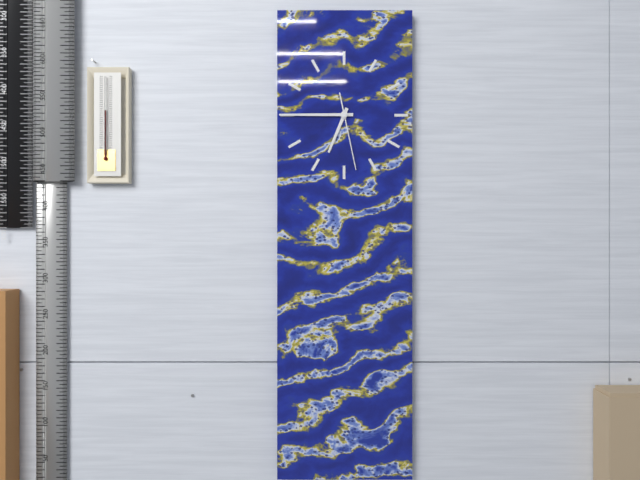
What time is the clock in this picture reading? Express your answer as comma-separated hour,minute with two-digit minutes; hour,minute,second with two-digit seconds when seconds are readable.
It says 6,45,28
